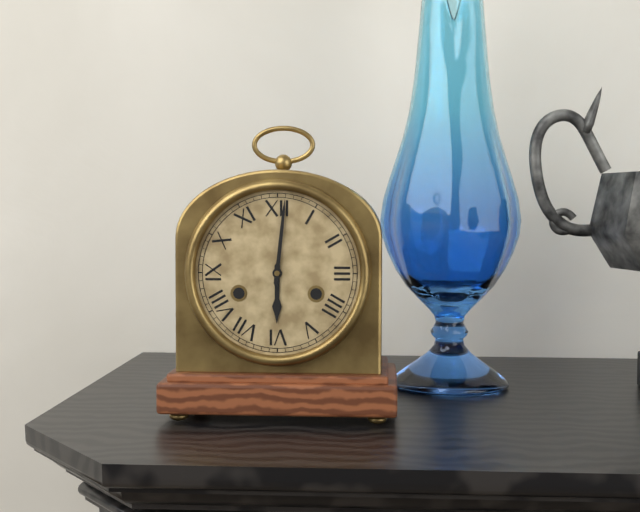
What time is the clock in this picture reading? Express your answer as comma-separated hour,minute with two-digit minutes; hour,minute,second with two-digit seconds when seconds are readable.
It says 6,01
